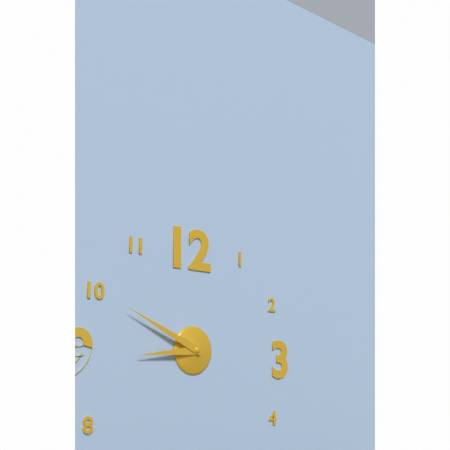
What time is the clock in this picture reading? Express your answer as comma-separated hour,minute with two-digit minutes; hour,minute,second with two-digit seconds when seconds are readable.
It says 8,49
